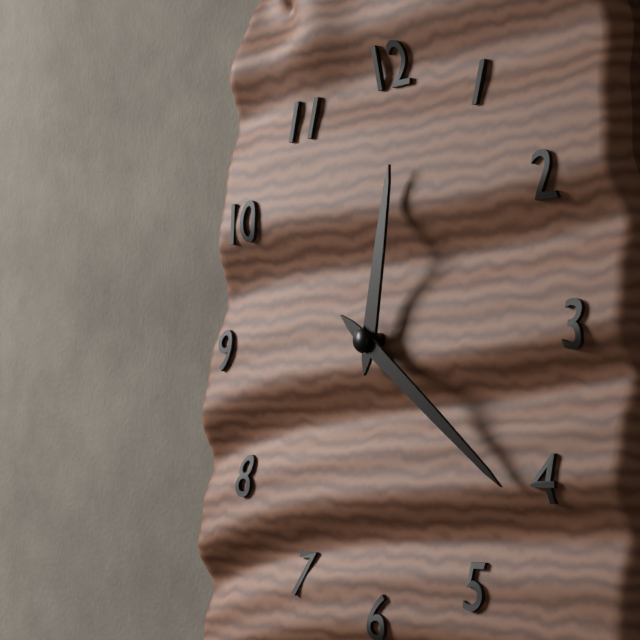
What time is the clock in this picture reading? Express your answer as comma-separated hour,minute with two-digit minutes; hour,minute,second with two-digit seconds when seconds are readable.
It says 12,21
